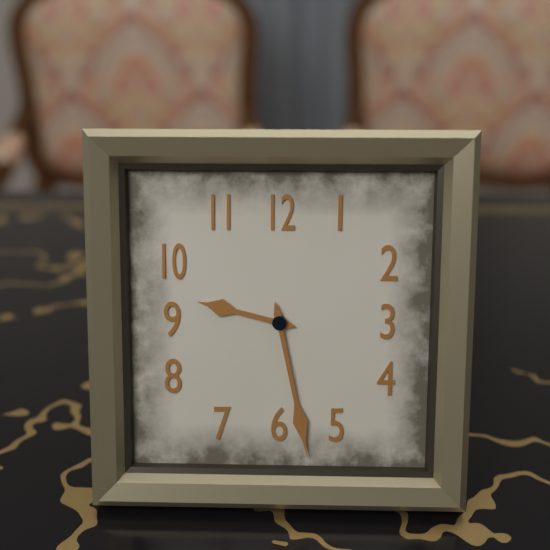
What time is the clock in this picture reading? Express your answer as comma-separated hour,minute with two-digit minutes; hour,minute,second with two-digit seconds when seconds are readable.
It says 9,28
